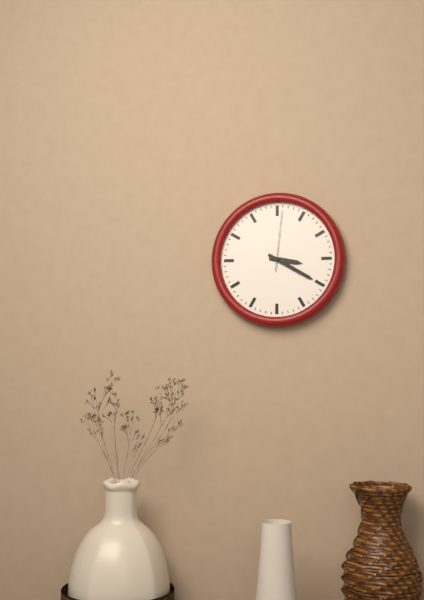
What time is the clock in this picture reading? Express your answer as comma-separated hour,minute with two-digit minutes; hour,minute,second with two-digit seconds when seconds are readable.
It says 3,20,01
